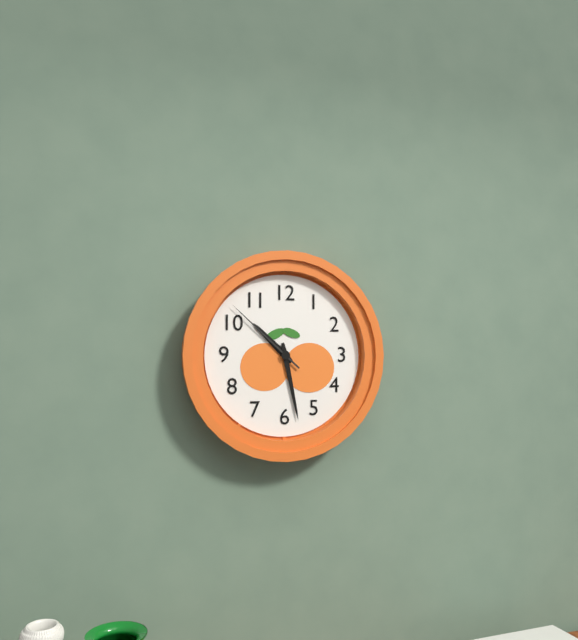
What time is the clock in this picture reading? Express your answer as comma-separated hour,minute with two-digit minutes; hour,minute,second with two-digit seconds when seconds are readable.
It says 10,28,52
